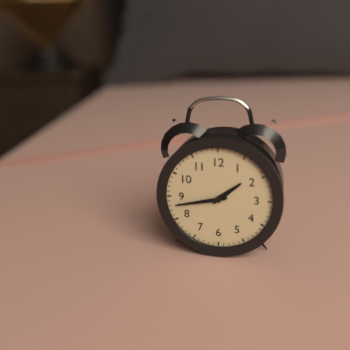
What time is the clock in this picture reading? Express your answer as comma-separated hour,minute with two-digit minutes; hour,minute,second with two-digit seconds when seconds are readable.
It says 1,43
